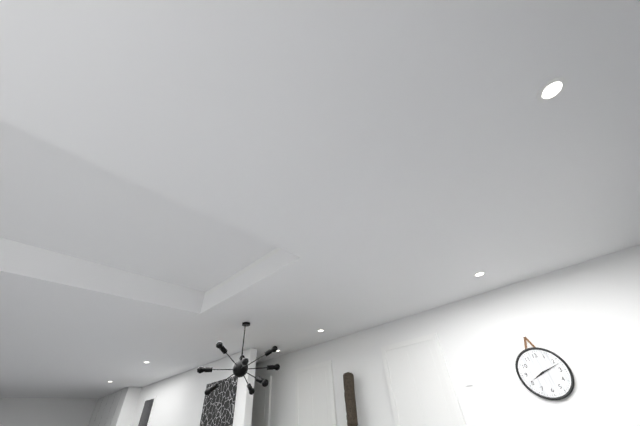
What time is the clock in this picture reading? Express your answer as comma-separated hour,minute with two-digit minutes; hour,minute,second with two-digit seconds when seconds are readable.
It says 8,12
